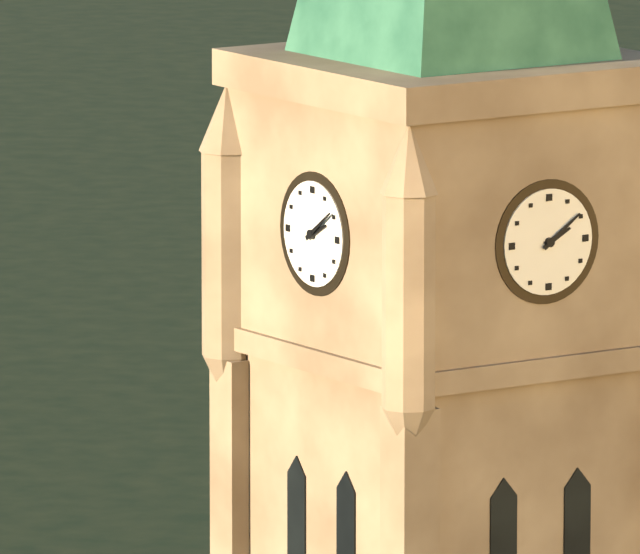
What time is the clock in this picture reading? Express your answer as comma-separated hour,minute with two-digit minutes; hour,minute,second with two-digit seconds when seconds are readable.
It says 2,09
